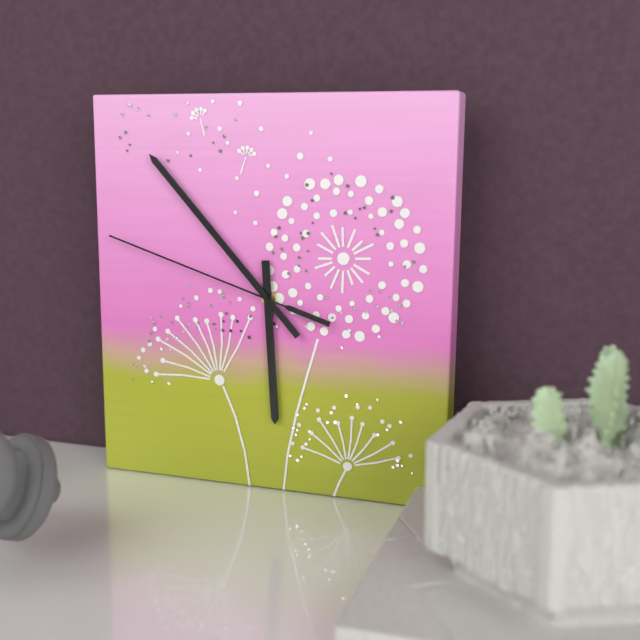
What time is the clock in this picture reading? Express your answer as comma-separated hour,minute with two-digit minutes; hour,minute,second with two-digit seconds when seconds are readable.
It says 5,53,48
